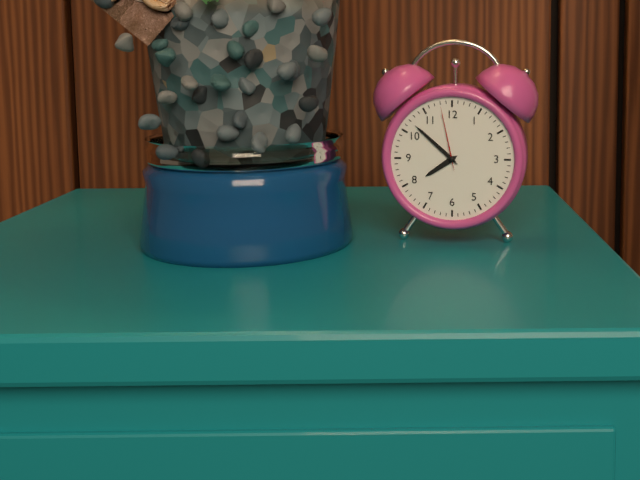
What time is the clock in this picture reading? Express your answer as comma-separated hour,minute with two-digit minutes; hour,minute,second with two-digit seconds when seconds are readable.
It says 7,52,58
